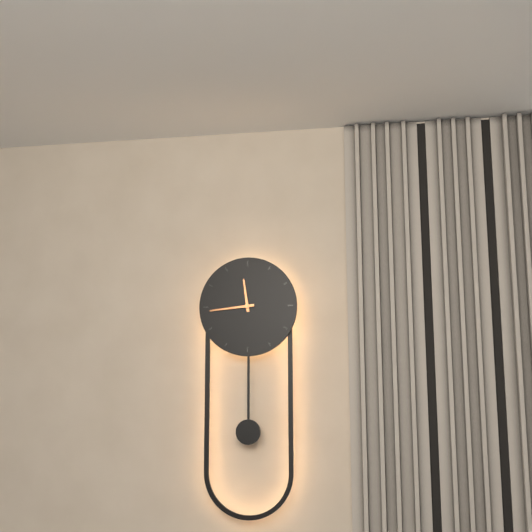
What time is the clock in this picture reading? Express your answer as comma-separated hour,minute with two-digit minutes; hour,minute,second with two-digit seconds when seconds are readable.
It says 11,44
